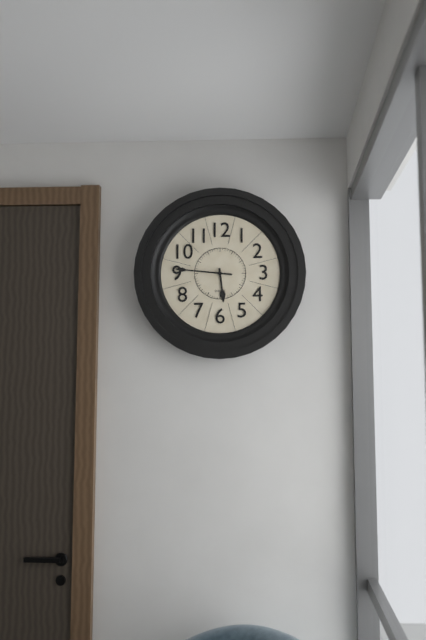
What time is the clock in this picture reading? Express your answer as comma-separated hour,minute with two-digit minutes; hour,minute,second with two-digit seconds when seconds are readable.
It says 5,46
